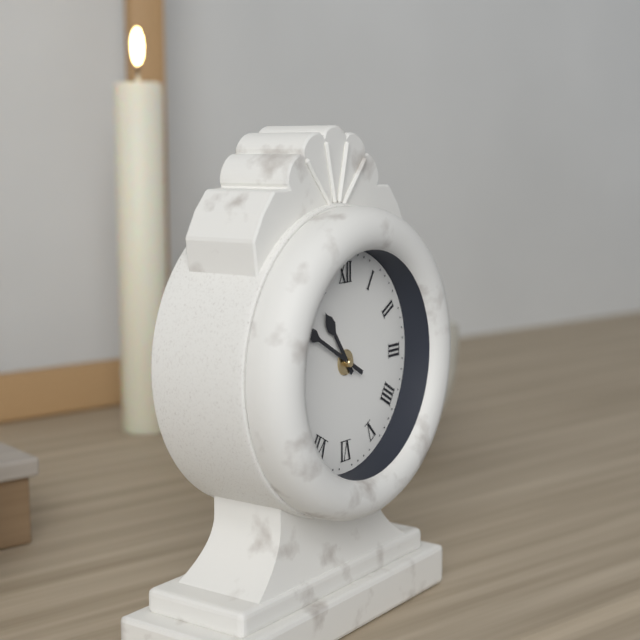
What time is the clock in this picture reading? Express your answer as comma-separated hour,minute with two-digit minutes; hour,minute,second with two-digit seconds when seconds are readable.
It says 10,50
